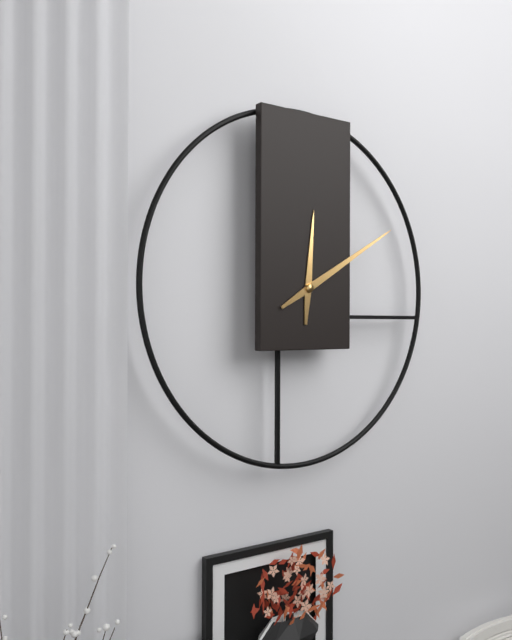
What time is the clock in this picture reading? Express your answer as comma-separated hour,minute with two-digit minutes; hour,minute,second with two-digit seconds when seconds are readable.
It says 12,10
